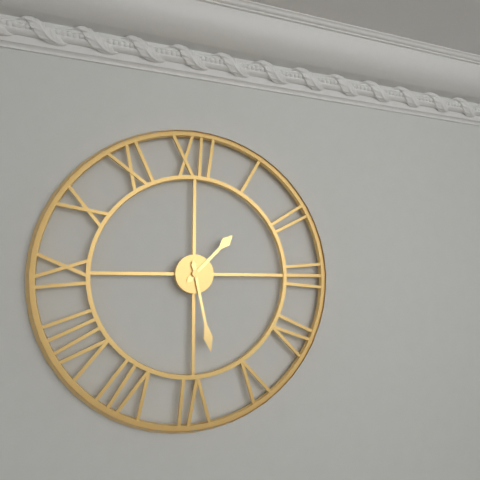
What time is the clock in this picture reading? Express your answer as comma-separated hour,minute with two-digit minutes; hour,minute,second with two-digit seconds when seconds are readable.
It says 1,28
